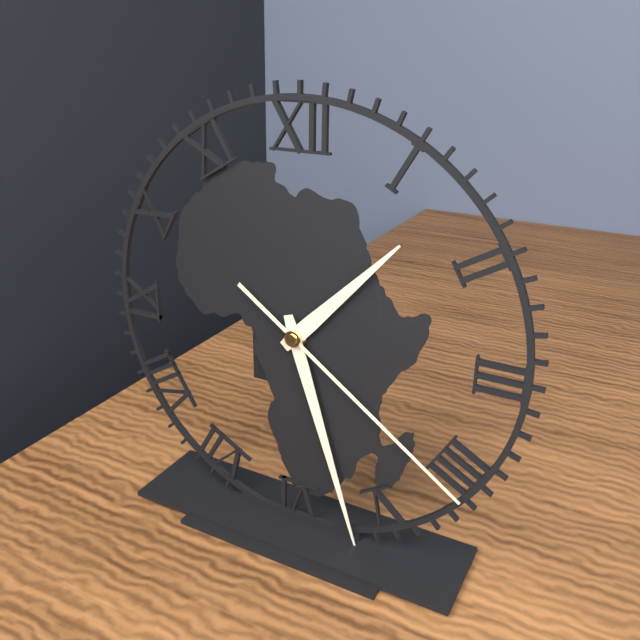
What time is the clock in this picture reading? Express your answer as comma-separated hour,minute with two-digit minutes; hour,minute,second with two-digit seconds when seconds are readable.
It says 1,27,21
